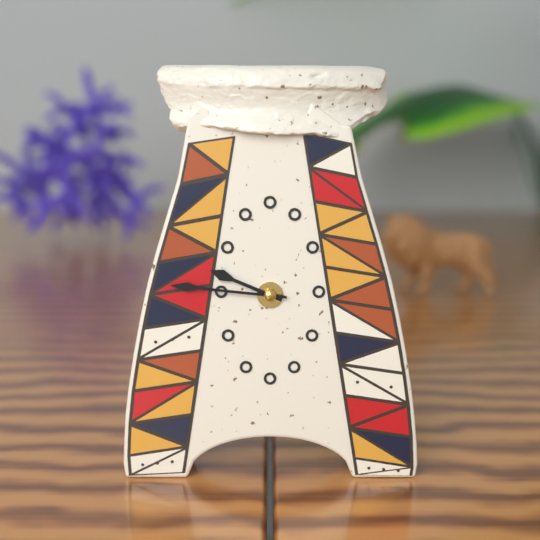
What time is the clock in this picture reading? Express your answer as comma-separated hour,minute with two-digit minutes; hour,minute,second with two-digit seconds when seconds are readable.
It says 9,46
